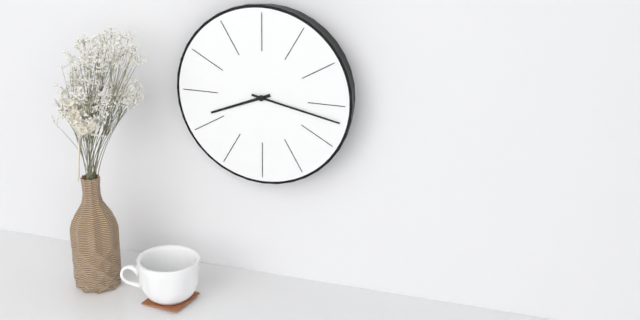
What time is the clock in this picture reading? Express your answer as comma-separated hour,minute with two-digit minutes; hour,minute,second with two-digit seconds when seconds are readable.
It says 8,17
